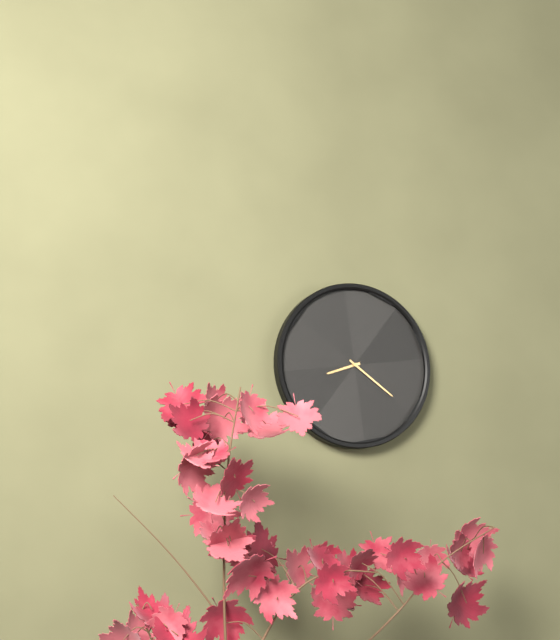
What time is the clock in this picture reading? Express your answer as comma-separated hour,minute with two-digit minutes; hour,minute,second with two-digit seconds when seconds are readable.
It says 8,21
